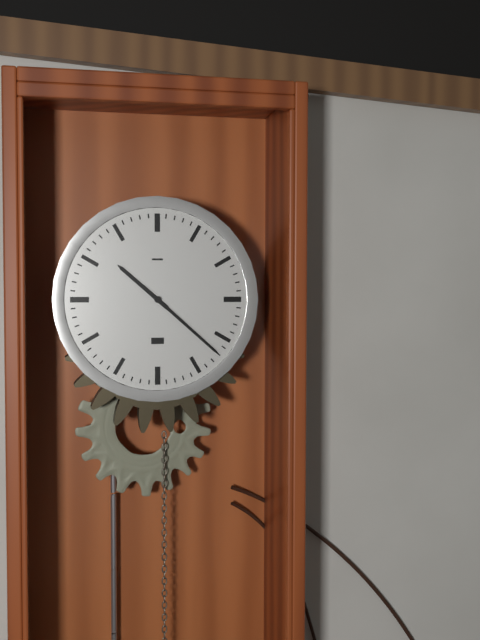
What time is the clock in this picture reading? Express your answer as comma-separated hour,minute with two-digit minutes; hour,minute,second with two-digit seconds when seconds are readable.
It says 10,22
